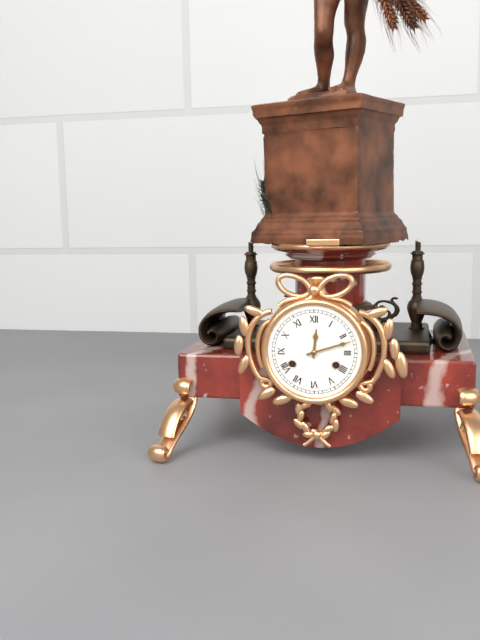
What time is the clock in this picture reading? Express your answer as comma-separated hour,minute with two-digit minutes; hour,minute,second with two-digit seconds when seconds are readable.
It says 12,12
